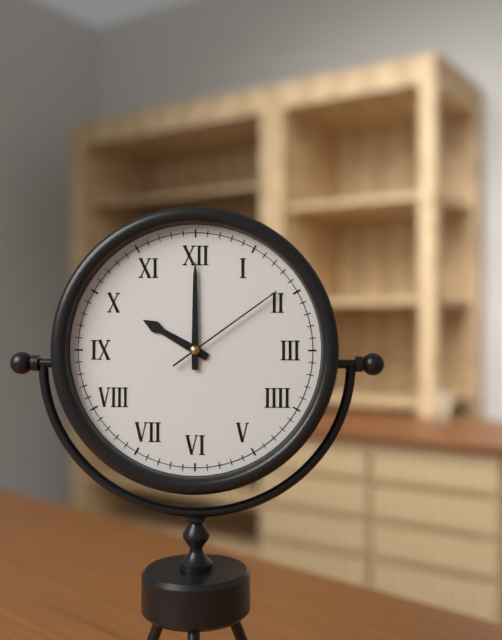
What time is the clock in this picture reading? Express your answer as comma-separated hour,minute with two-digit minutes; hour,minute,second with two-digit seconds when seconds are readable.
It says 10,00,09
